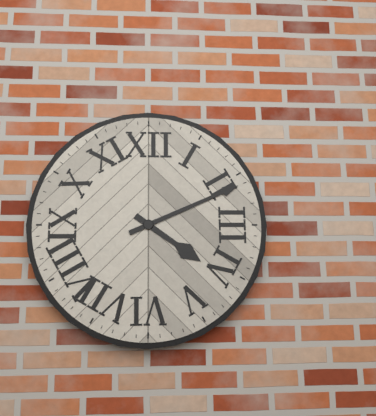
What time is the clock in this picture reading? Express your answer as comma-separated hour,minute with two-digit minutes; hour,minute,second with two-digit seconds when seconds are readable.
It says 4,11
